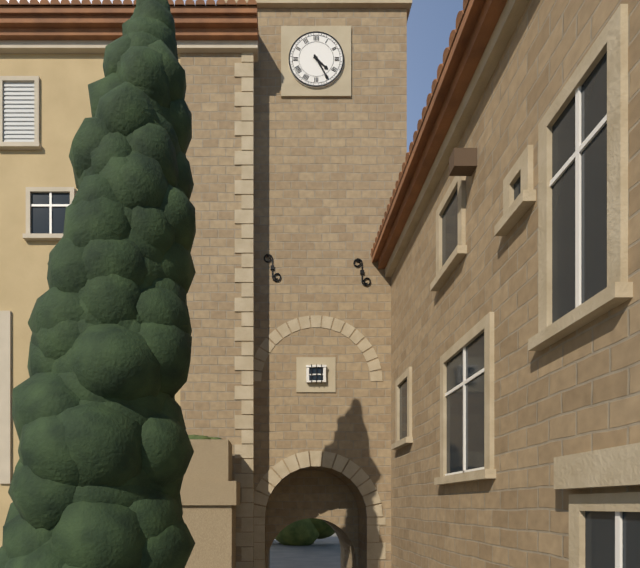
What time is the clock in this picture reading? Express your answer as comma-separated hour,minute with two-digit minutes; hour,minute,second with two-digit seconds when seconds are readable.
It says 4,25
